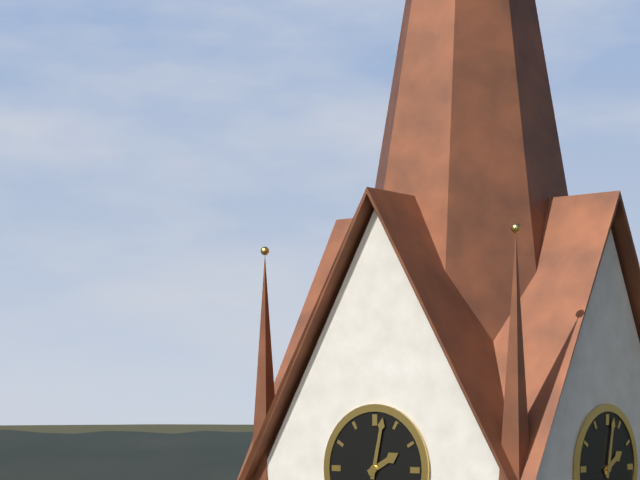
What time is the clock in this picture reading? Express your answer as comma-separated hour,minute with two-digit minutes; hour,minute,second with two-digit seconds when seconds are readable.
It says 2,02
